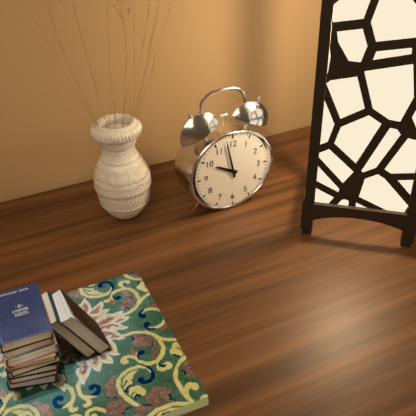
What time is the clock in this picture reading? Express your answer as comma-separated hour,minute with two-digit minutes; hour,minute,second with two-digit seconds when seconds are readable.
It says 9,58
